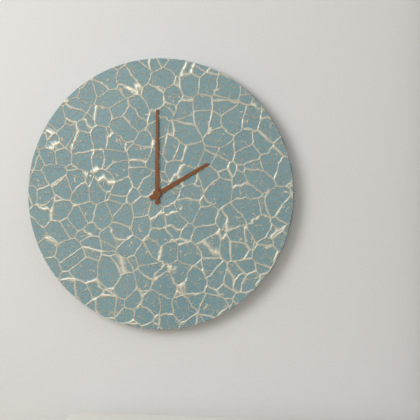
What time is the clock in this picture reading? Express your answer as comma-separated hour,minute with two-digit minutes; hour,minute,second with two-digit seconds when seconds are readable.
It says 2,00
